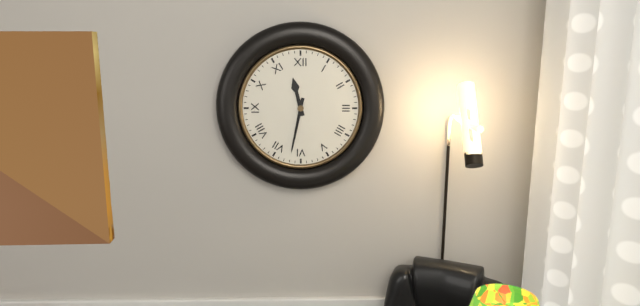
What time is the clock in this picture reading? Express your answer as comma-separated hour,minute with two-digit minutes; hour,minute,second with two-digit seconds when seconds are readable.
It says 11,32
